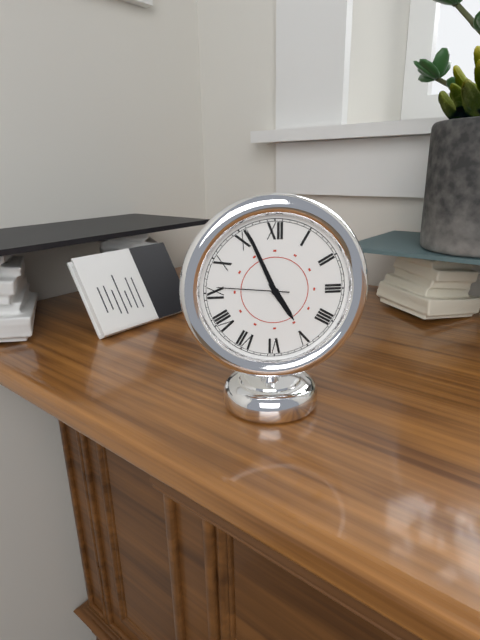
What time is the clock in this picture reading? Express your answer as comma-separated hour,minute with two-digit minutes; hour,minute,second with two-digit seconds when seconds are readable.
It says 4,56,46
